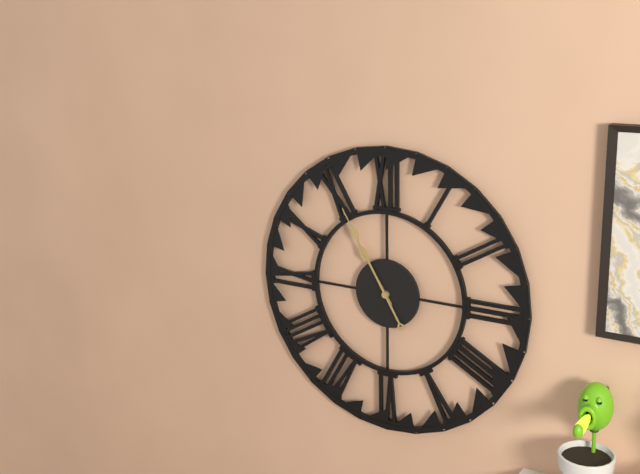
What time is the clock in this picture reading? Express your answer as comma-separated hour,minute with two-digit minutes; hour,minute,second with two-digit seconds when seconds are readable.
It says 10,55
